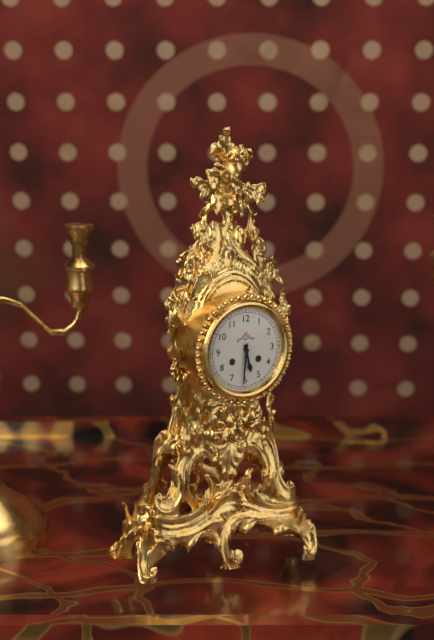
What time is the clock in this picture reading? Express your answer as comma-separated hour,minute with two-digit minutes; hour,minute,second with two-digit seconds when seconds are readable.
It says 5,31
